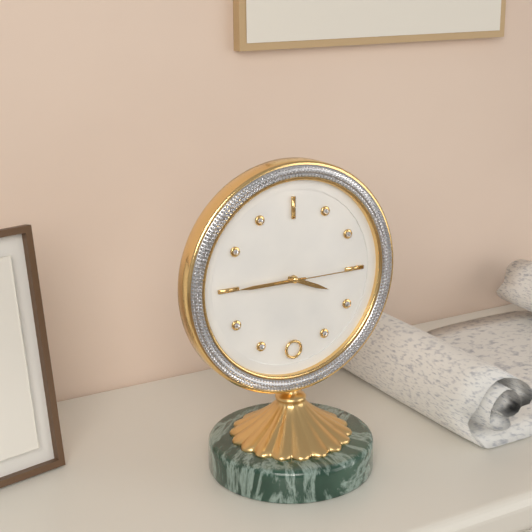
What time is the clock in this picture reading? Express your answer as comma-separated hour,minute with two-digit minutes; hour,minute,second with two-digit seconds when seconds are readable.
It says 3,45,15
